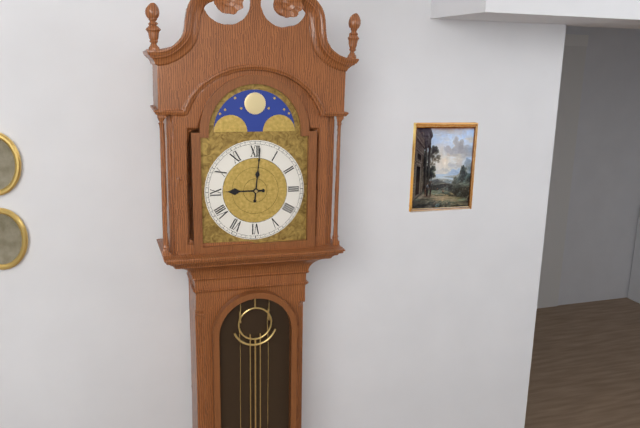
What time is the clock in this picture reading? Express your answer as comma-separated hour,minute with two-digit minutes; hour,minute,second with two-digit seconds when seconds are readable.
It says 9,01
